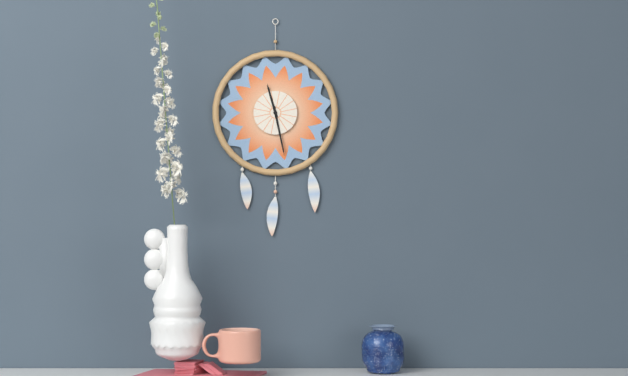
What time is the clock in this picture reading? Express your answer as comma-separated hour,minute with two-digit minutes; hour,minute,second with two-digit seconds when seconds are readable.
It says 11,28
